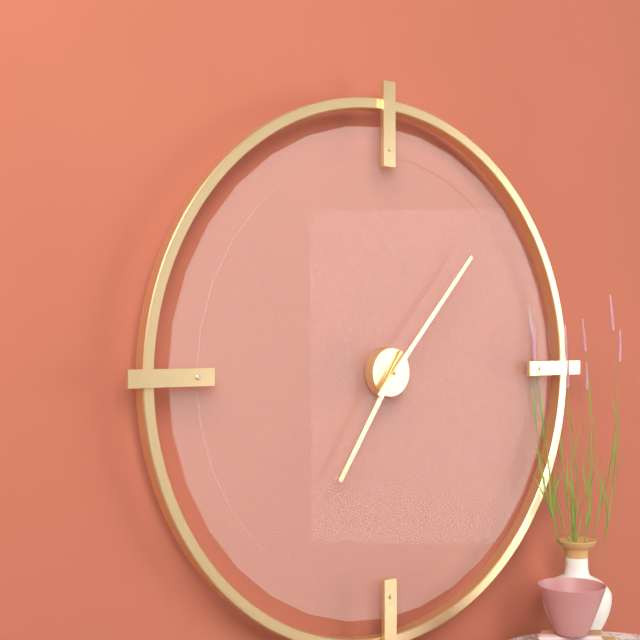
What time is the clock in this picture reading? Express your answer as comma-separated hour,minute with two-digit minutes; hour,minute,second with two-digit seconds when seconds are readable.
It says 7,07
